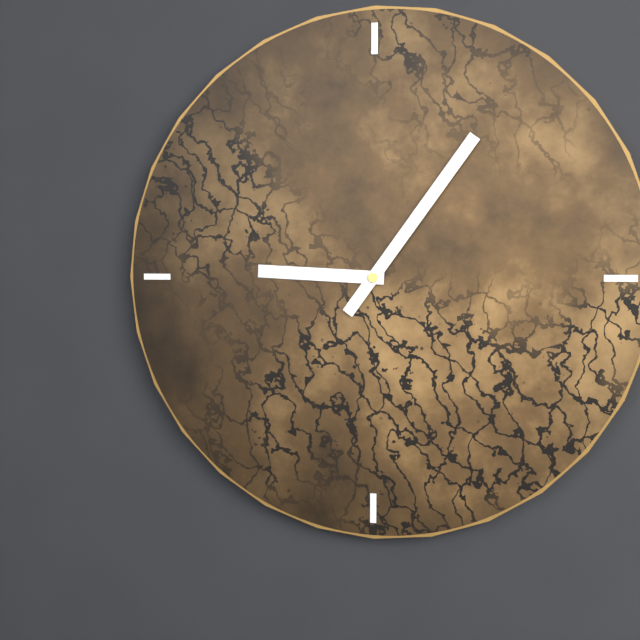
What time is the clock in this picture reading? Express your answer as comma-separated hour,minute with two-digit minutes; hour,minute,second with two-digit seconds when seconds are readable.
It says 9,06
